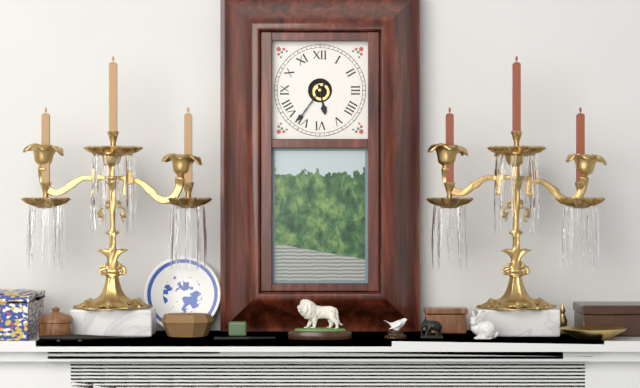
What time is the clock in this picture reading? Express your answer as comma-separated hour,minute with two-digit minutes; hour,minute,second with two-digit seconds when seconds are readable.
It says 5,36
